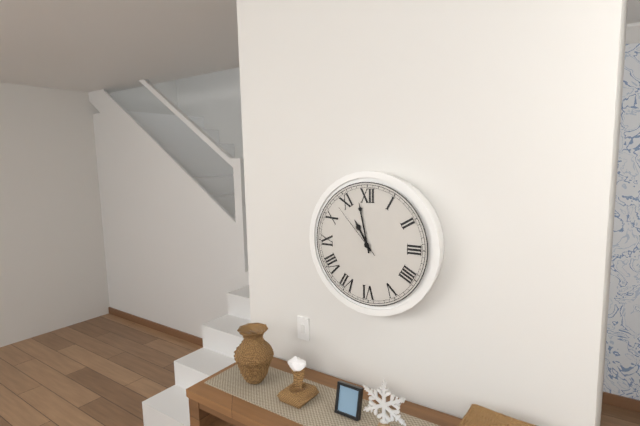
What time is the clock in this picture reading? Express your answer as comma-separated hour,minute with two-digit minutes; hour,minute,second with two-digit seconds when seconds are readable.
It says 10,58,53
